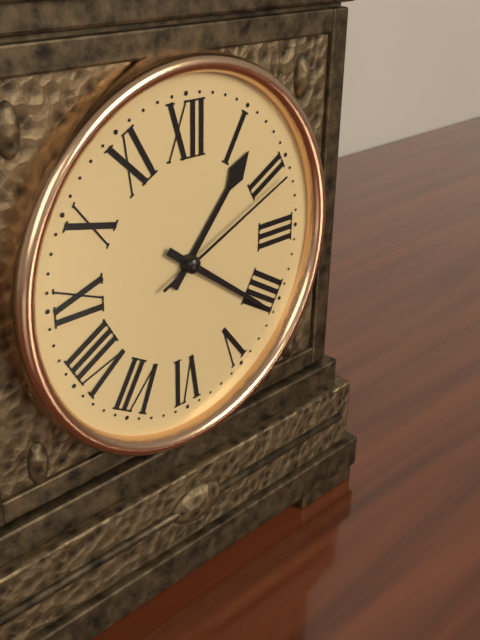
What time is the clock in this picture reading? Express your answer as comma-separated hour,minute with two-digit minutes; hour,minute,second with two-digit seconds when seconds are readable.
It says 1,21,11
